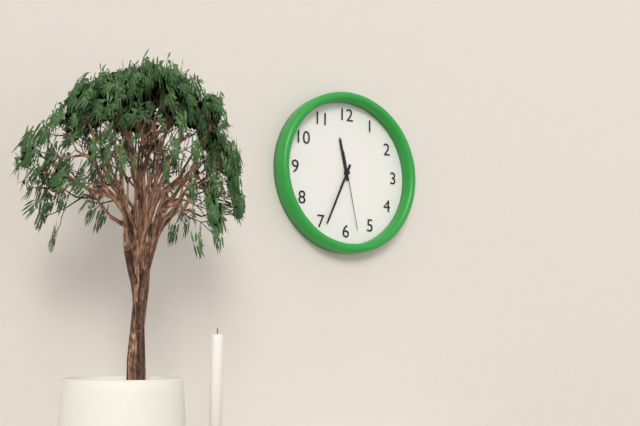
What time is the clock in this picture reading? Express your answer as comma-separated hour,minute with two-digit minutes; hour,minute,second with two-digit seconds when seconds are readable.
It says 11,34,28
